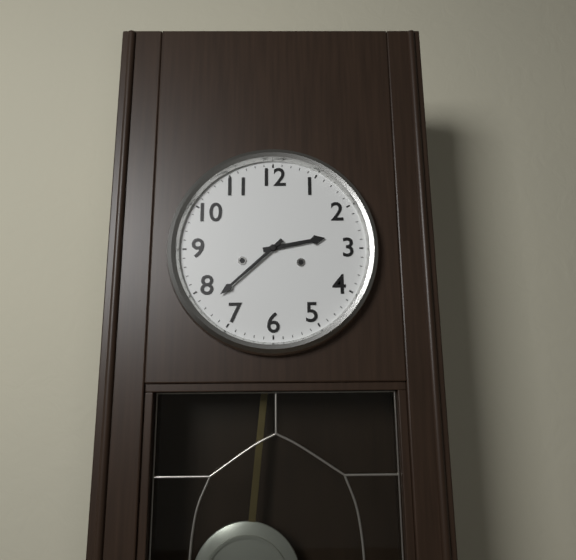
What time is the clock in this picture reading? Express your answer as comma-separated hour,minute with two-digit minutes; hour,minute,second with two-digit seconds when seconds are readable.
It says 2,38
